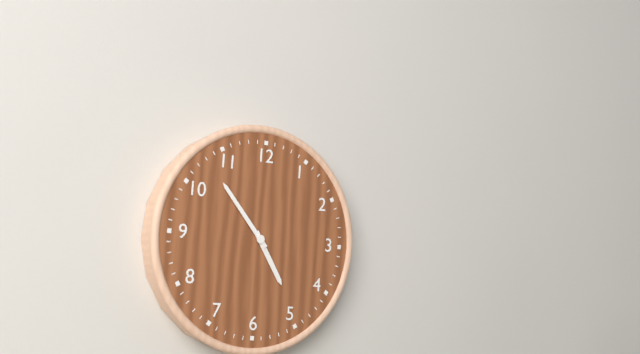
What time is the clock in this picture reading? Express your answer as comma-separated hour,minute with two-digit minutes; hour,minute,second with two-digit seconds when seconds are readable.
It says 4,53
